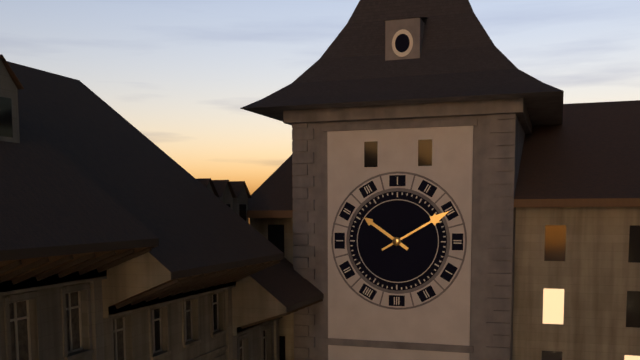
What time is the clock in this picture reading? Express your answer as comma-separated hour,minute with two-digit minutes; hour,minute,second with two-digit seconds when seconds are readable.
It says 10,10
